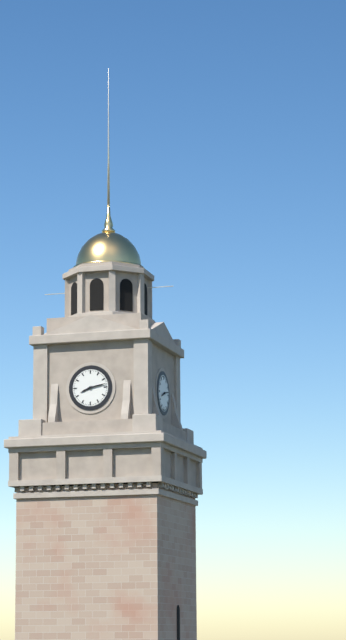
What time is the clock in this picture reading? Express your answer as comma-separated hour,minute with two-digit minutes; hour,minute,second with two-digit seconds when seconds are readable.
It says 8,13
